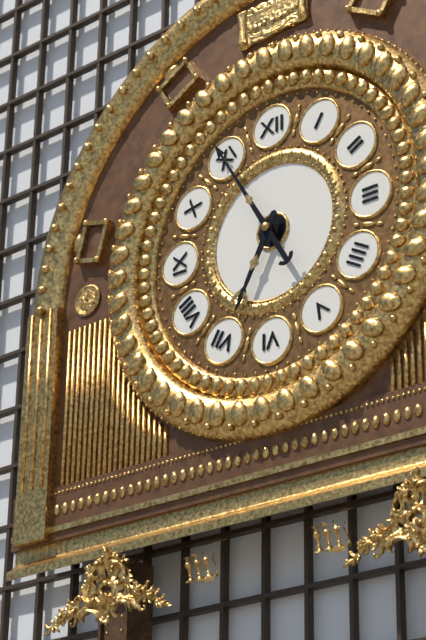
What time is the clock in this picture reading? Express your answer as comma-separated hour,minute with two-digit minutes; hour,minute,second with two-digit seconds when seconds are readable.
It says 6,55
